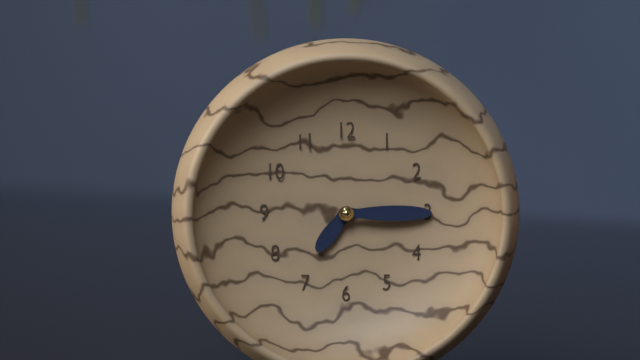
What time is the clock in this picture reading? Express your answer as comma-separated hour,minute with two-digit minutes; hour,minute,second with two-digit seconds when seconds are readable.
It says 7,15
